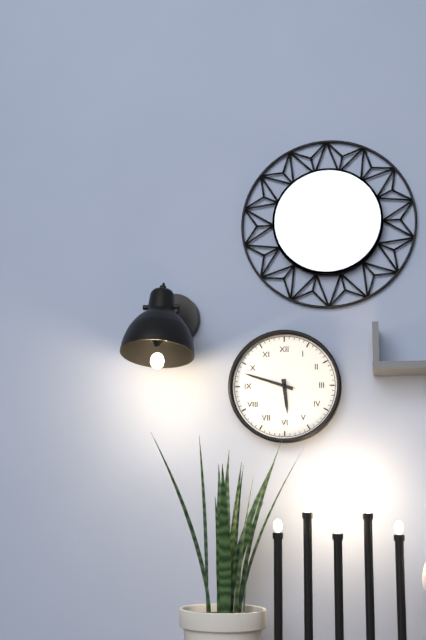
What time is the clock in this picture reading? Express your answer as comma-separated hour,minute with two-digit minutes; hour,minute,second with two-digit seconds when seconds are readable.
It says 5,48
